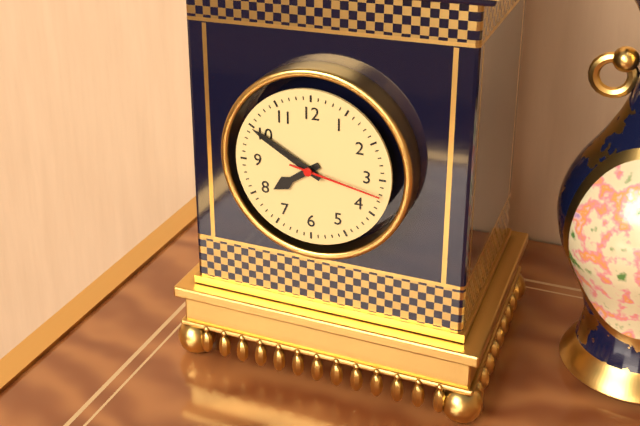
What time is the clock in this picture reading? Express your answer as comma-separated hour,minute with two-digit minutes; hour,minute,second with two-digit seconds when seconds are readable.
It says 7,50,17
